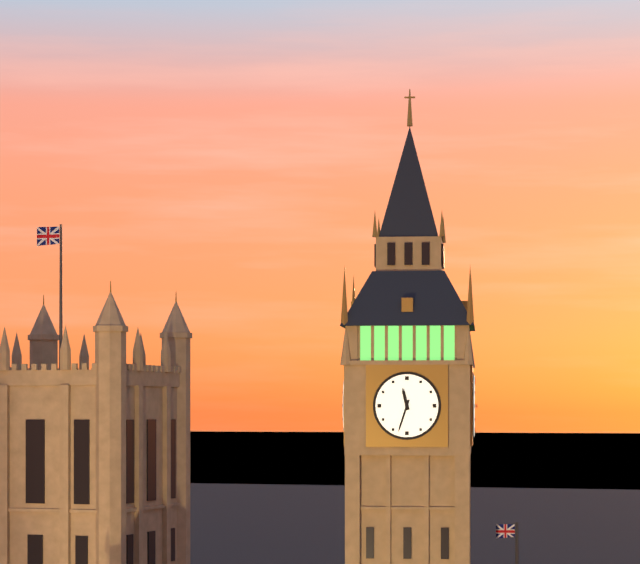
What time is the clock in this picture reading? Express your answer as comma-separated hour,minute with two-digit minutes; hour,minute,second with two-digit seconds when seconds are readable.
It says 11,33
